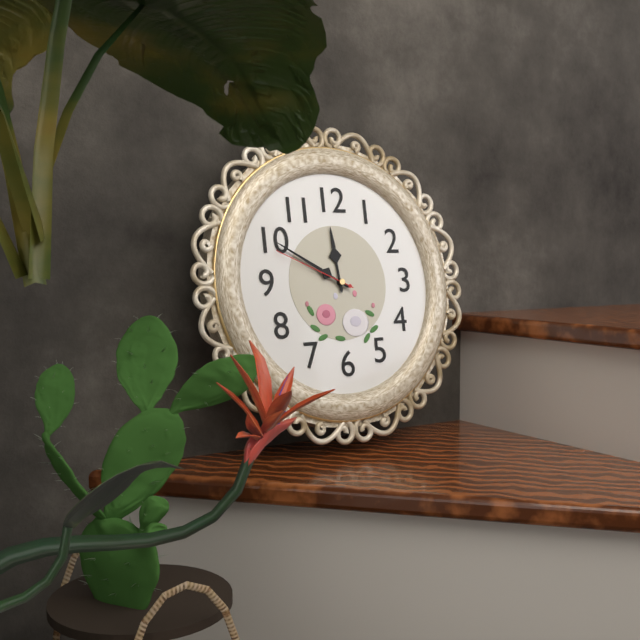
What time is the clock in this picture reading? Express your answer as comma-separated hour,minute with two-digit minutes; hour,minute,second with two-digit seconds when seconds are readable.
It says 11,50,49
